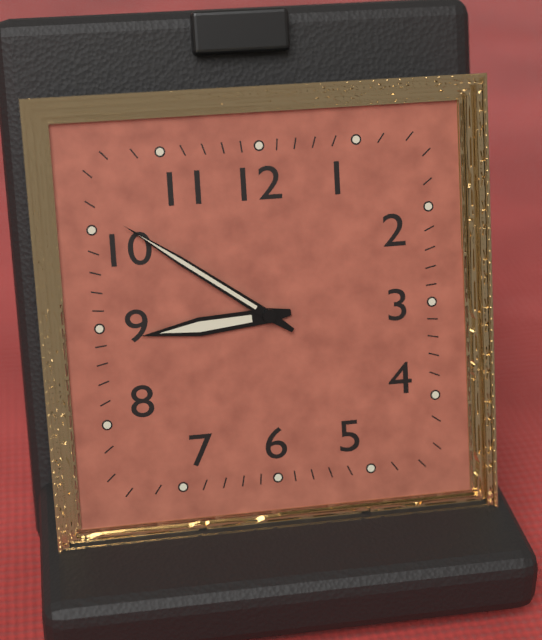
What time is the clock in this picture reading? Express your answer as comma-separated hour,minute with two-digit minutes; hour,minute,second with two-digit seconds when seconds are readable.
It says 8,51
